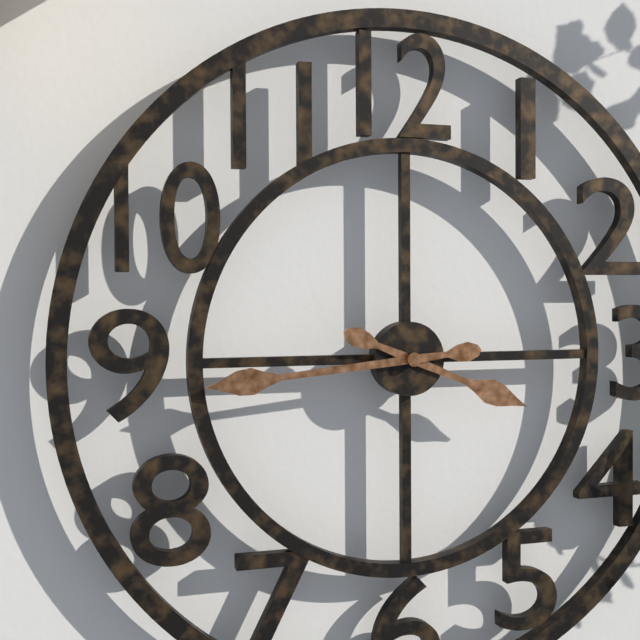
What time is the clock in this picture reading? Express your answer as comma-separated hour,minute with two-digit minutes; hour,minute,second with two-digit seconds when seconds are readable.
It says 3,44
